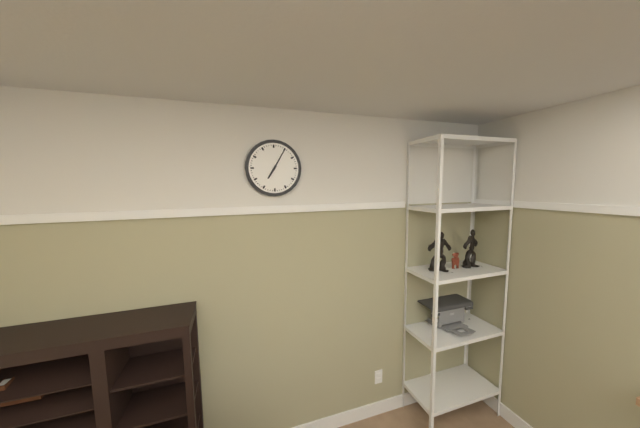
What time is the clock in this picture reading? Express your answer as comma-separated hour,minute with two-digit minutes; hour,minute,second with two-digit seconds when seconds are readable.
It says 7,05
